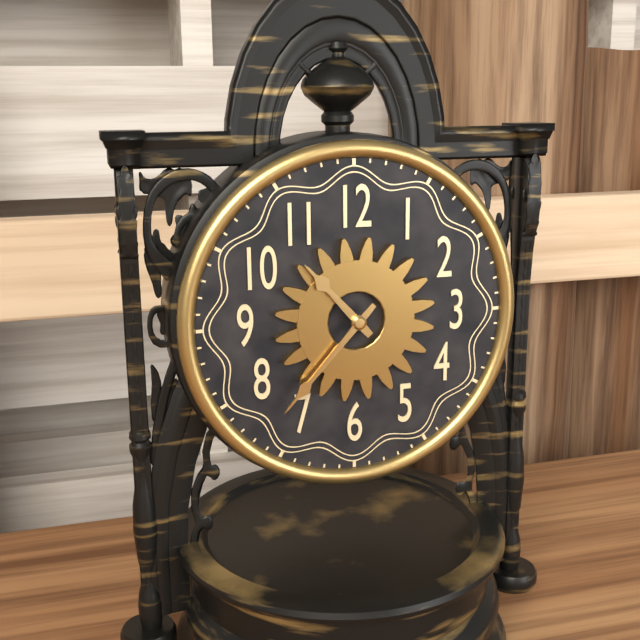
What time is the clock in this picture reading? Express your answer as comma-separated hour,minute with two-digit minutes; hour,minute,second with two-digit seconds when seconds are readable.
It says 10,37
